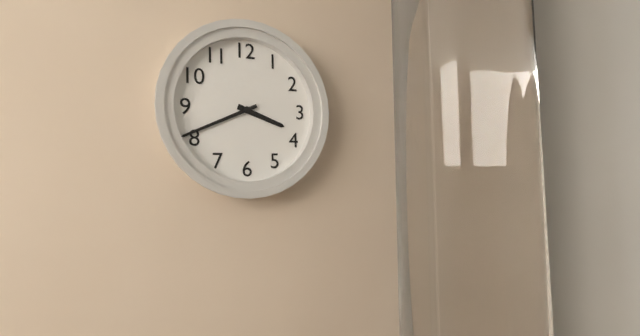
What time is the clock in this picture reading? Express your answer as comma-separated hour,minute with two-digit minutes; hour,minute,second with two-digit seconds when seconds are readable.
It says 3,41
